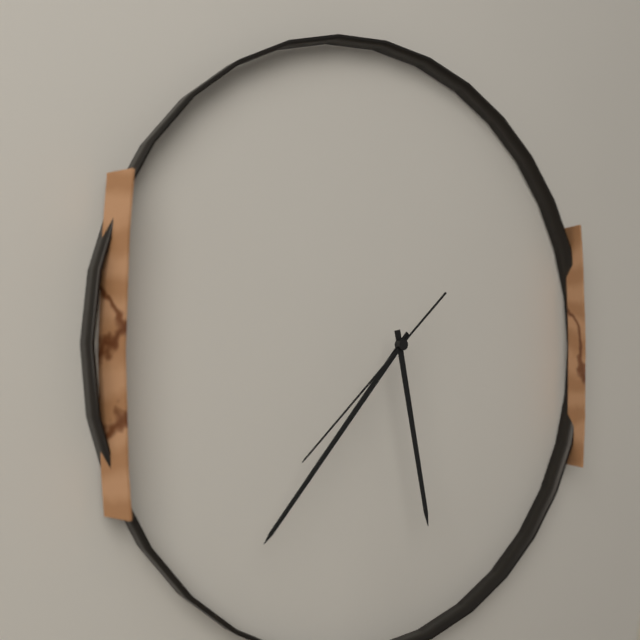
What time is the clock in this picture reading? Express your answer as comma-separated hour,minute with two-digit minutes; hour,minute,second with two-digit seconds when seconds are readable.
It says 5,37,38
